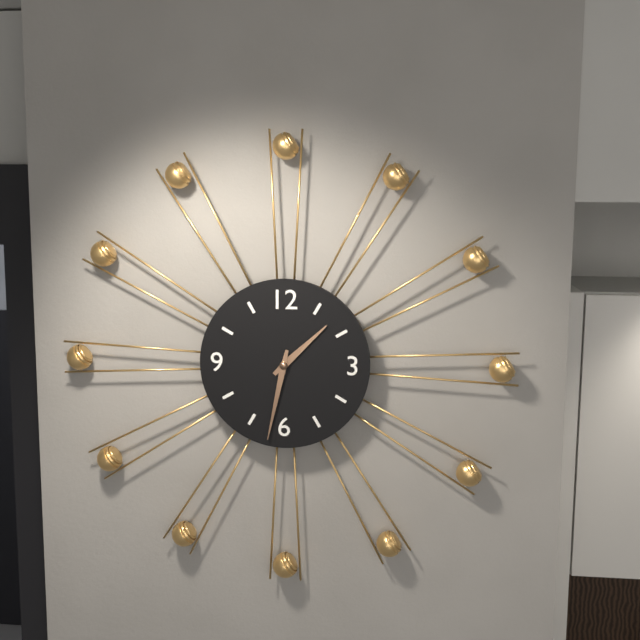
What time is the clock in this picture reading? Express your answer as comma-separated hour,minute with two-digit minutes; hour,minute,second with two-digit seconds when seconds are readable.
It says 1,32
